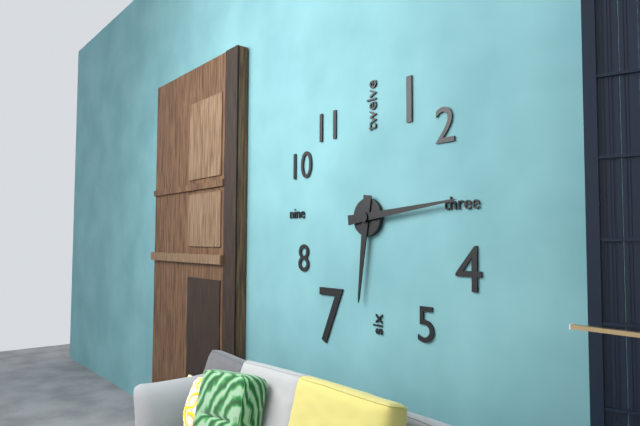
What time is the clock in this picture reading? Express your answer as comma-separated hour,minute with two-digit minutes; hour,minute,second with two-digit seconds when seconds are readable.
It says 6,14
